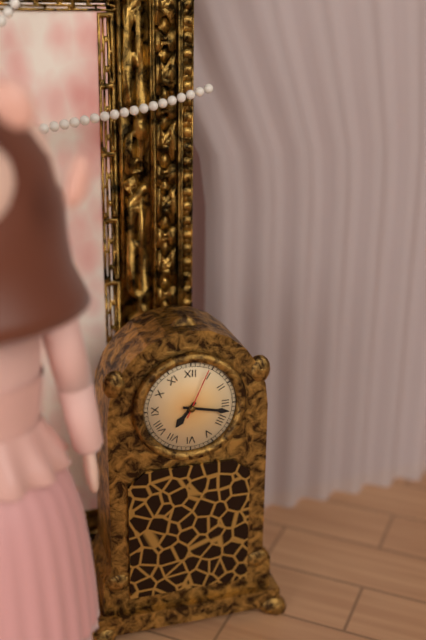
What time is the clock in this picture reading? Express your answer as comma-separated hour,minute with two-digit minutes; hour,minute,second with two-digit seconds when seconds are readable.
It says 7,17,04
